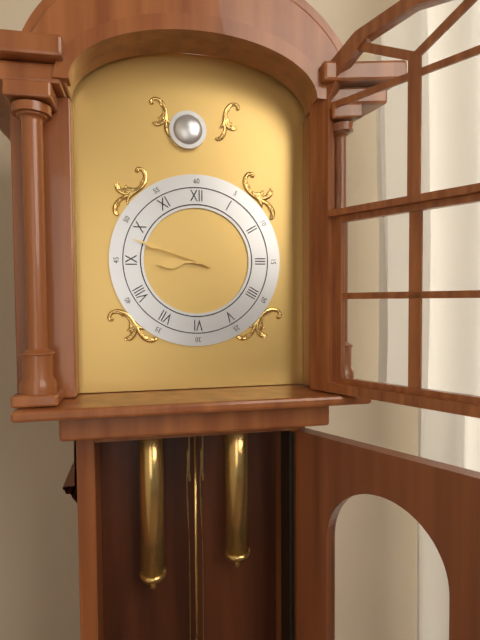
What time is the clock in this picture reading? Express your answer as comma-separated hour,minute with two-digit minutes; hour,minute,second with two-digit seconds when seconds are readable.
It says 8,48
